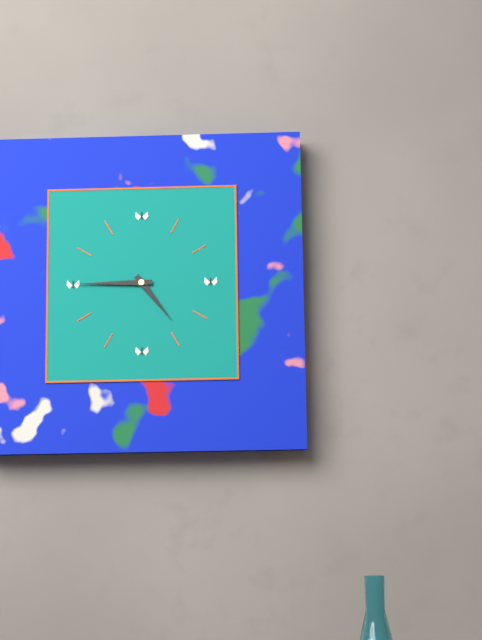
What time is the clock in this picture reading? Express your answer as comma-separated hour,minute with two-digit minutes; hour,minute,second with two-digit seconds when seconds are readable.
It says 4,45
